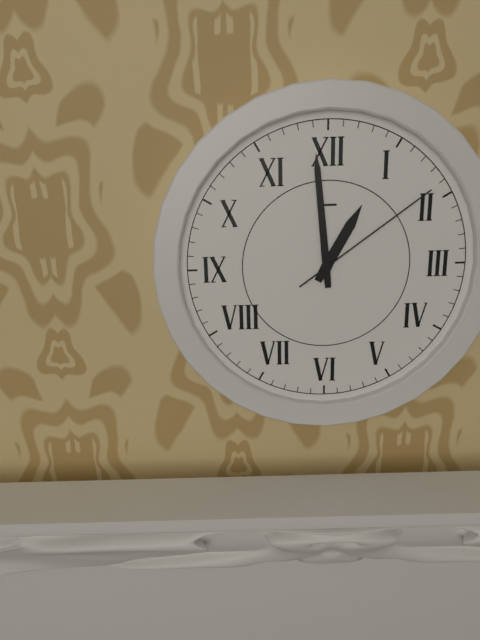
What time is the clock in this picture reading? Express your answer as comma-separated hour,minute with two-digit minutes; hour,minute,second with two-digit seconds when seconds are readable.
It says 12,59,09
